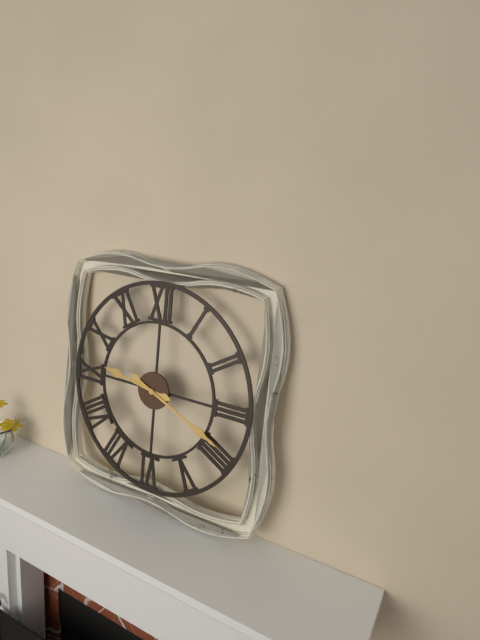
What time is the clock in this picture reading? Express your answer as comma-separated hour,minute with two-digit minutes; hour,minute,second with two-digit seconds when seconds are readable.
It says 9,19
